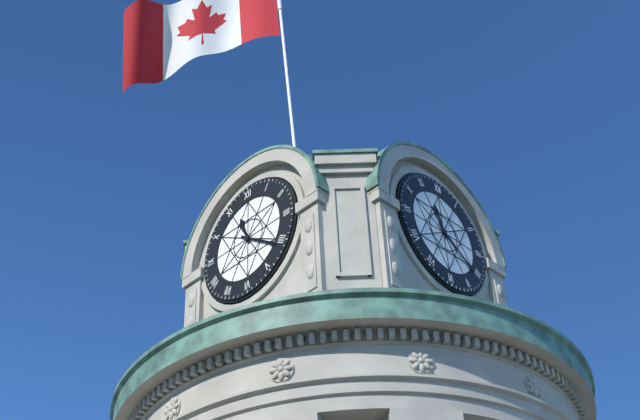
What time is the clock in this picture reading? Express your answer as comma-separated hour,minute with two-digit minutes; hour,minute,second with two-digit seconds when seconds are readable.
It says 11,21
